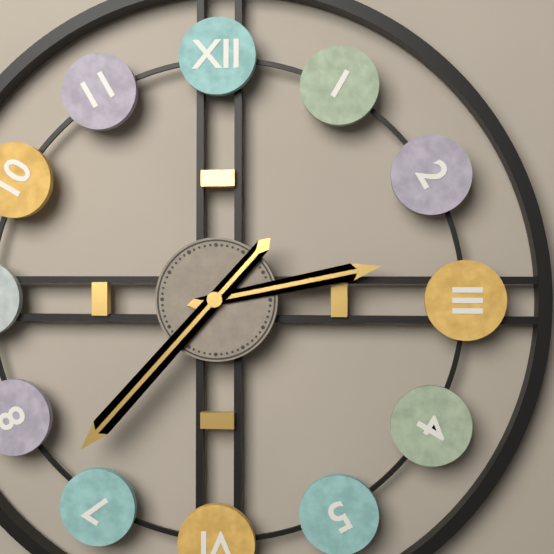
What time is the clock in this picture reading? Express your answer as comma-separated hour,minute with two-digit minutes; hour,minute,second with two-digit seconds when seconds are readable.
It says 2,37
